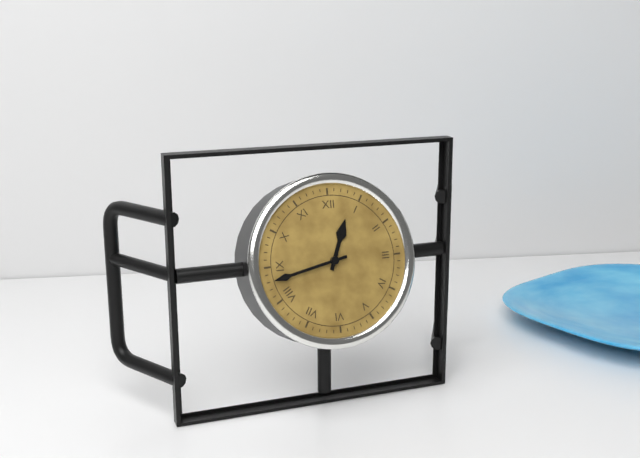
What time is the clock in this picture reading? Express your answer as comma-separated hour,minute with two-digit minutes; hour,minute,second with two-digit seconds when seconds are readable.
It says 12,43
